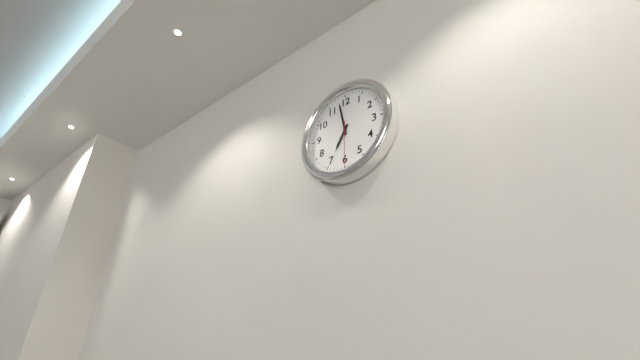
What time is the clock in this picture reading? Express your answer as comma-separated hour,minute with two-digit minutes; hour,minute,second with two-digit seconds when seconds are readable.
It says 6,58
